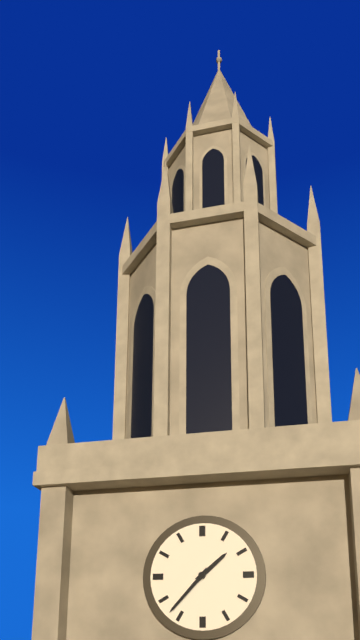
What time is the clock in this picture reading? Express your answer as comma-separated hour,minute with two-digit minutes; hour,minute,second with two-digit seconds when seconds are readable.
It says 1,37
